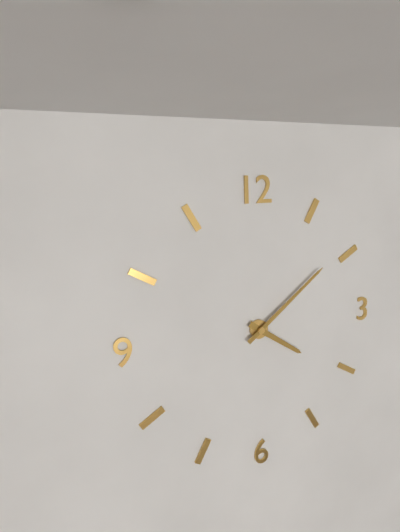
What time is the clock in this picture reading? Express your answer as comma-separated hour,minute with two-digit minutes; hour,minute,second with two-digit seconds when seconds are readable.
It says 4,09
